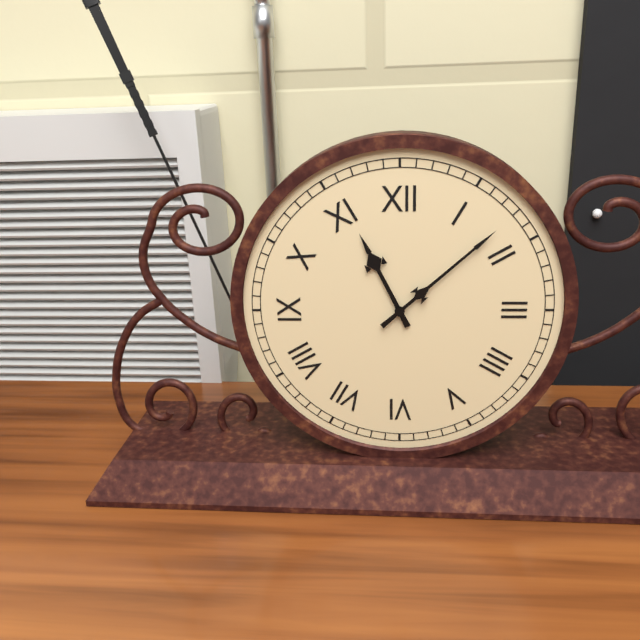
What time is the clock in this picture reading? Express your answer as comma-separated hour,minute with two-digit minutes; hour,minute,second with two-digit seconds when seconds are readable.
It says 11,08
